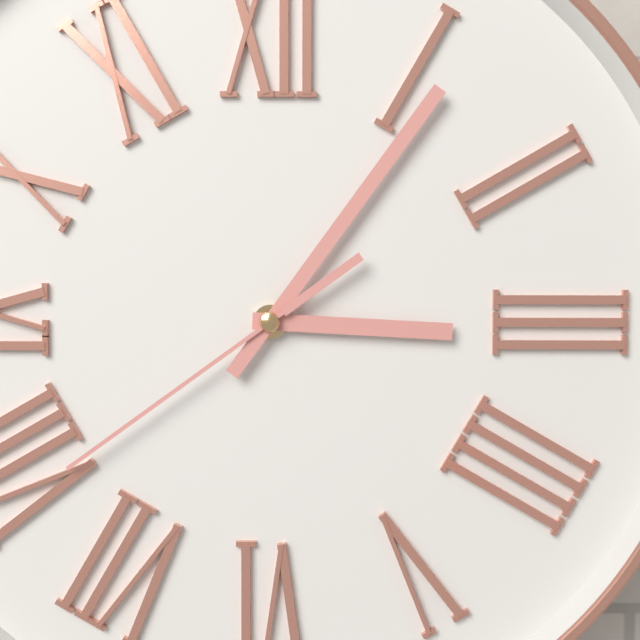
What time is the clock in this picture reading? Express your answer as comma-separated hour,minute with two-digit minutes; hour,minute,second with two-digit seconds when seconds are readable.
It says 3,06,39
